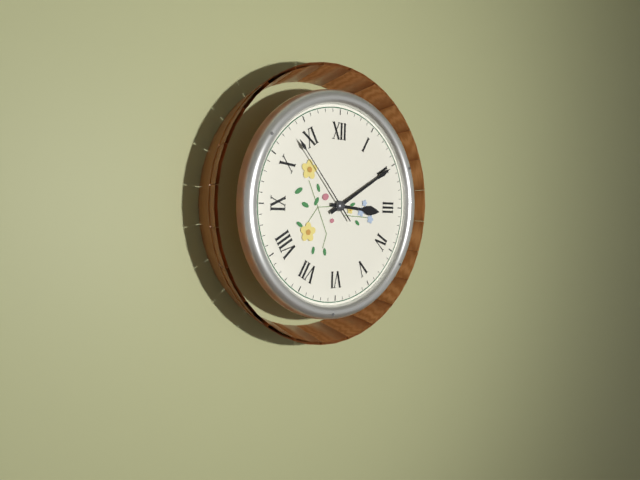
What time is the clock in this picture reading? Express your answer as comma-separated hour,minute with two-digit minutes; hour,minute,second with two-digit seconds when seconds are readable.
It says 3,10,53
